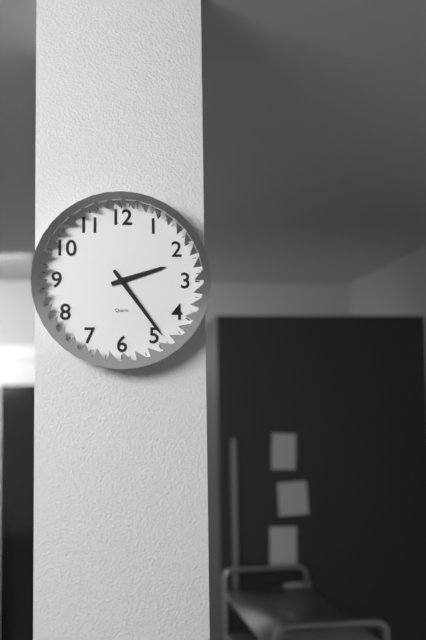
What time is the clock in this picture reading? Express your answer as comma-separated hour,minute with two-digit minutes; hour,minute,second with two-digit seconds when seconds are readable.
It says 2,24
